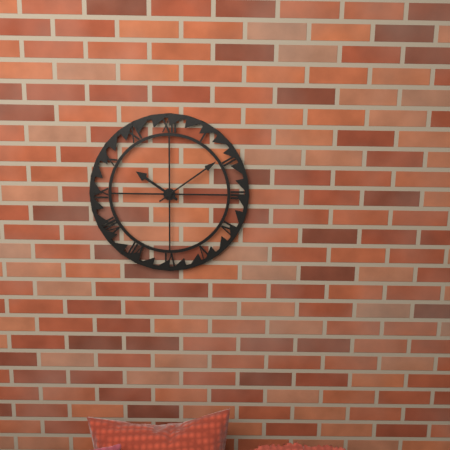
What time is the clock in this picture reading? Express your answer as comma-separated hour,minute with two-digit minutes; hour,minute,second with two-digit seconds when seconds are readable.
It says 10,09
